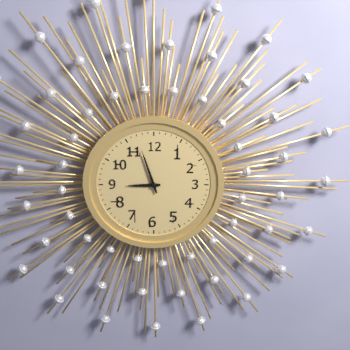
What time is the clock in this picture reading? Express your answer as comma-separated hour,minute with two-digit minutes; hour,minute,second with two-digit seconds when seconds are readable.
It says 8,57
